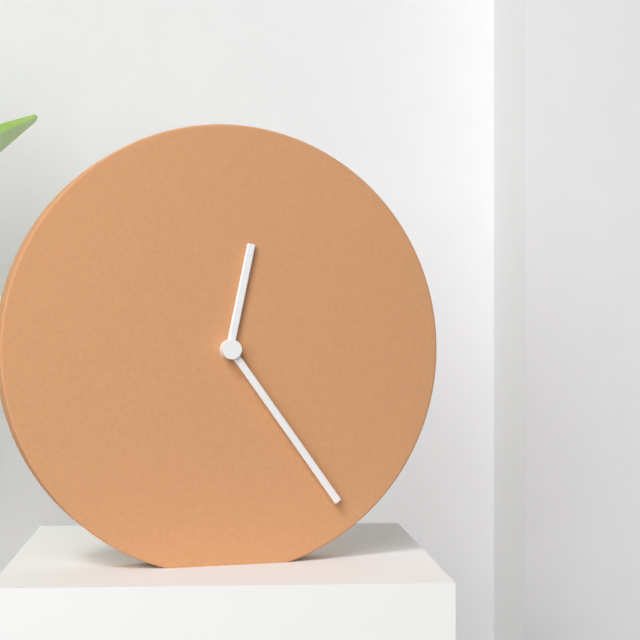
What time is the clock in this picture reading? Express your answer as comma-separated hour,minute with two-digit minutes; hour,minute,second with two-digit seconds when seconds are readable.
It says 12,24
